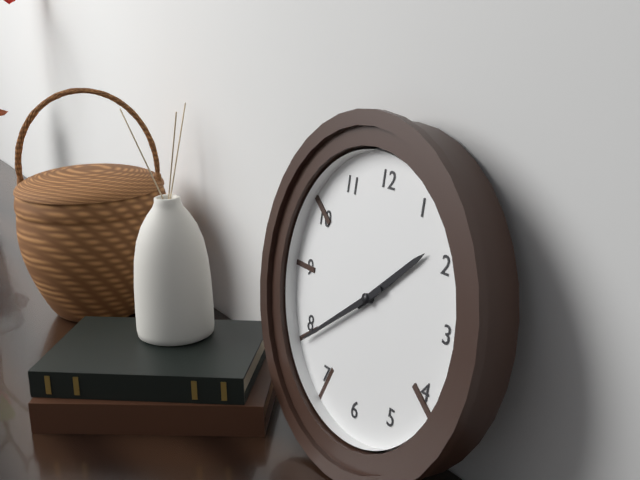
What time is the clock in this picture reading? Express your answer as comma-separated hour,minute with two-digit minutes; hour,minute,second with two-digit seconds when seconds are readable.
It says 1,39
